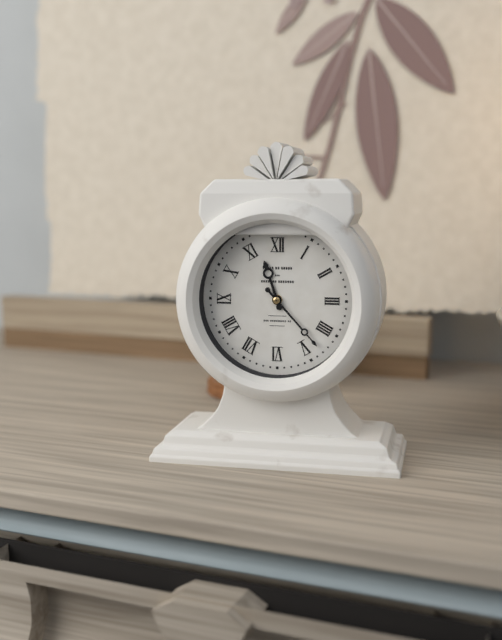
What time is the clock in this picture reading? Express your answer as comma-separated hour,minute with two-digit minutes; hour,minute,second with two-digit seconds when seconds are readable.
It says 11,23
